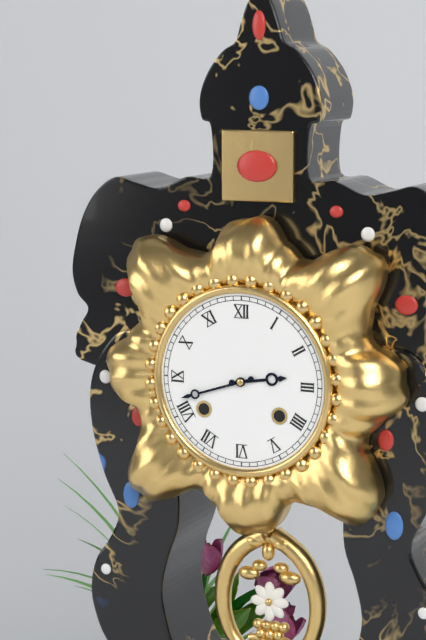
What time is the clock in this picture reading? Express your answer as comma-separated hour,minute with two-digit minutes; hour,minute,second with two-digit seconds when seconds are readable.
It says 2,42
